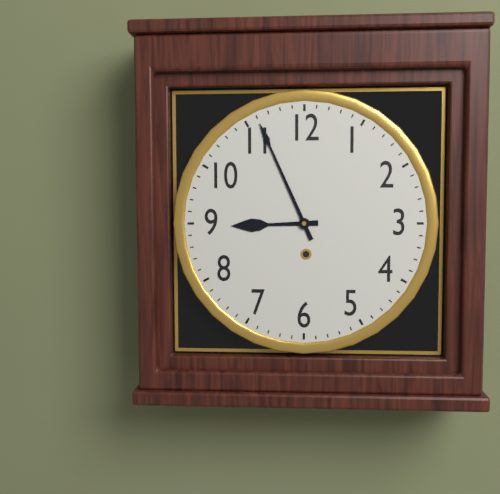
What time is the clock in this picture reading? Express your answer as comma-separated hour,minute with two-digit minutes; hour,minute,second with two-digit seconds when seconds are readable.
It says 8,56
